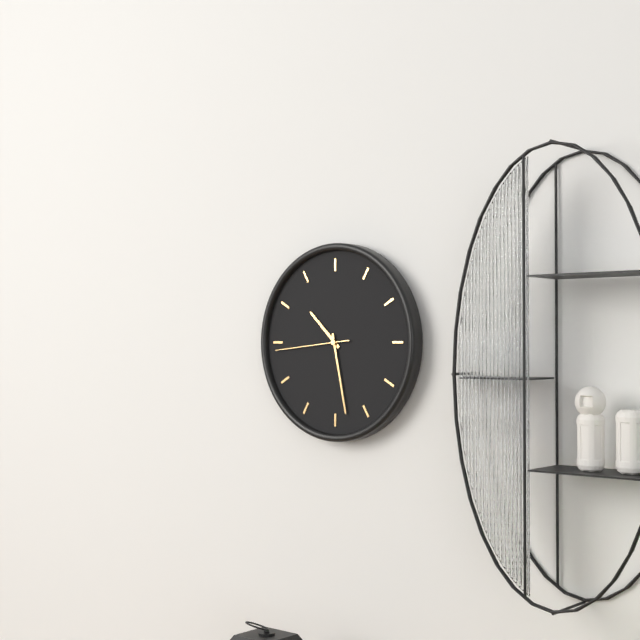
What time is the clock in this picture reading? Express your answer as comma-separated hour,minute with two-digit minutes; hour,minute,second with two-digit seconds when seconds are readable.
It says 10,28,44
